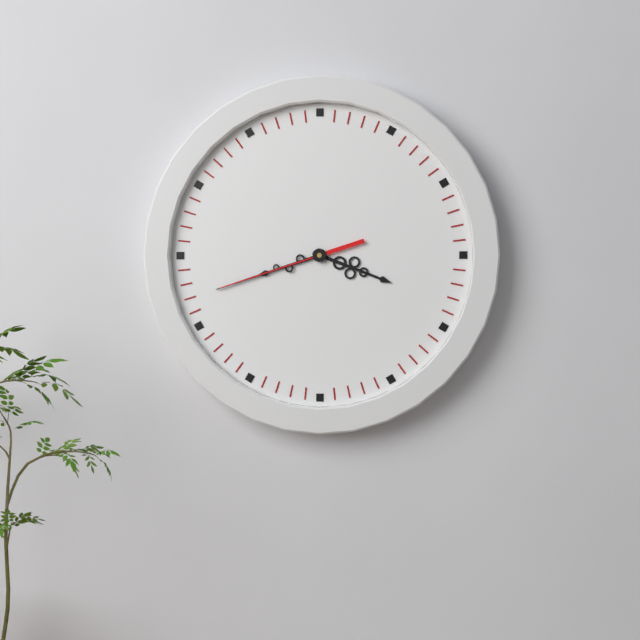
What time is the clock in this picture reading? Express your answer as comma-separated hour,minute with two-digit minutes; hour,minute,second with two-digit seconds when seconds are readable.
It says 3,42,42
